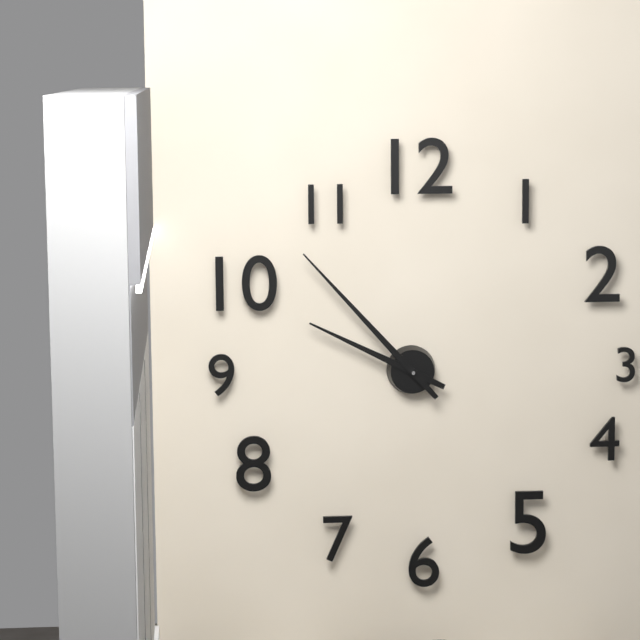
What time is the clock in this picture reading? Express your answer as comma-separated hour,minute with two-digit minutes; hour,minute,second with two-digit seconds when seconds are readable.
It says 9,53
